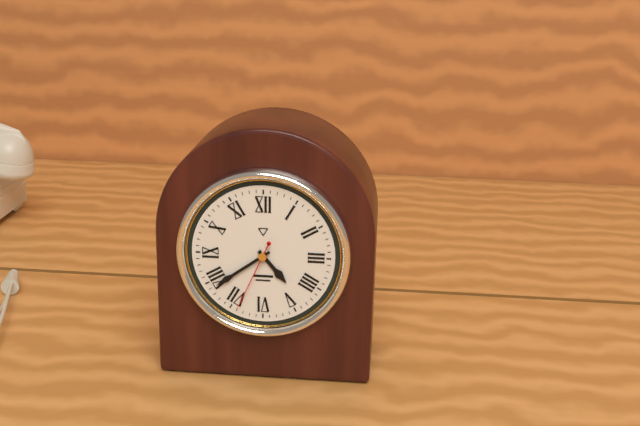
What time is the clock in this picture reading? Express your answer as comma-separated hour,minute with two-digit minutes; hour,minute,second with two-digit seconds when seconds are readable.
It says 4,39,34
